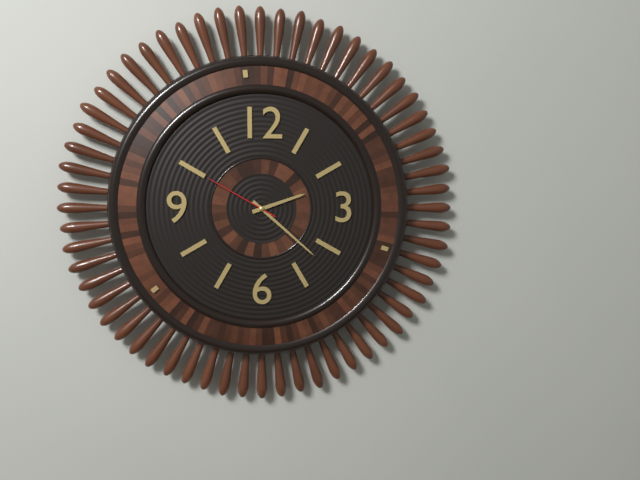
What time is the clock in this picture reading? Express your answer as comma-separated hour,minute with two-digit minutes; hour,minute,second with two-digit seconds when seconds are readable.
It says 2,22,50
